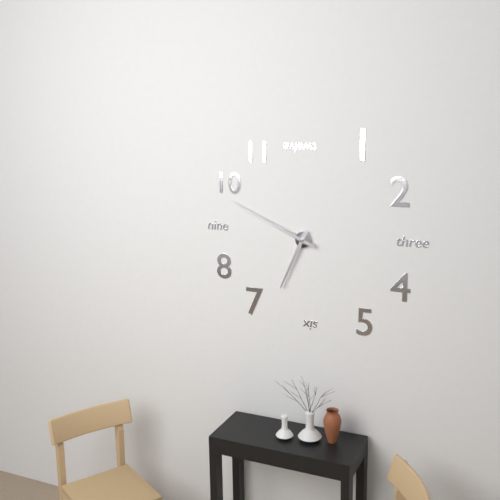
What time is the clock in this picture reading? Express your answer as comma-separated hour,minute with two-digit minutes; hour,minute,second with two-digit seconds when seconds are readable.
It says 6,49
